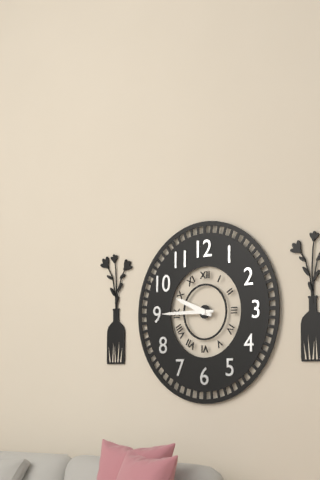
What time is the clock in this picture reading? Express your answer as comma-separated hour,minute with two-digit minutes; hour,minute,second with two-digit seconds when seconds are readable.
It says 9,45
